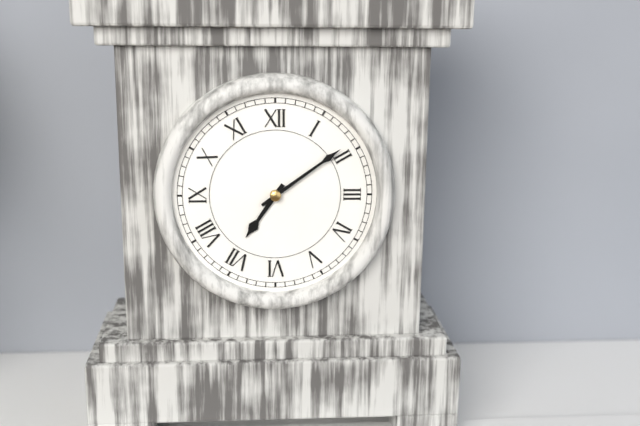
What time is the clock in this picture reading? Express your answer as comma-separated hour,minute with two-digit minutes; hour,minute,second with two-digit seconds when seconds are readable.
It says 7,09
